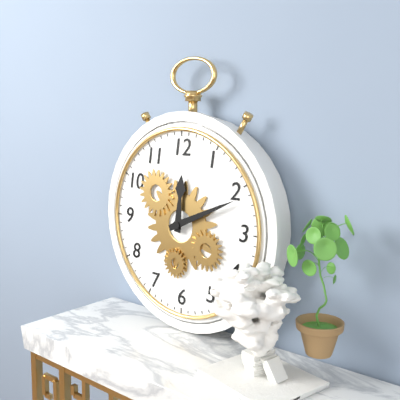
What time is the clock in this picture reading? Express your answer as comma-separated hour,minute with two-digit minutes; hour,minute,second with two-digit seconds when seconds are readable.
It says 12,11
